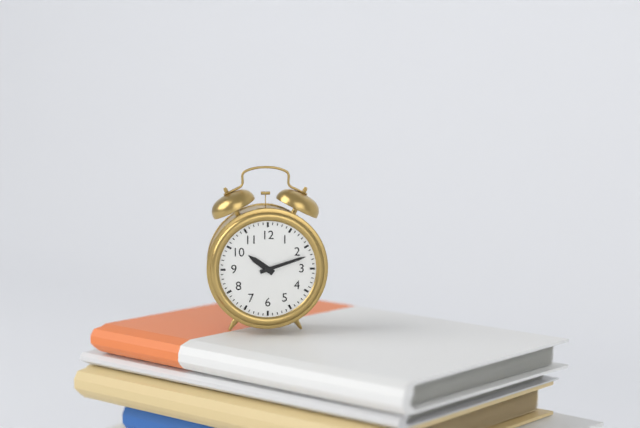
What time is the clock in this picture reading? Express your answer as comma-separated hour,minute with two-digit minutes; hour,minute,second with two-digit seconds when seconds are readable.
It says 10,12
